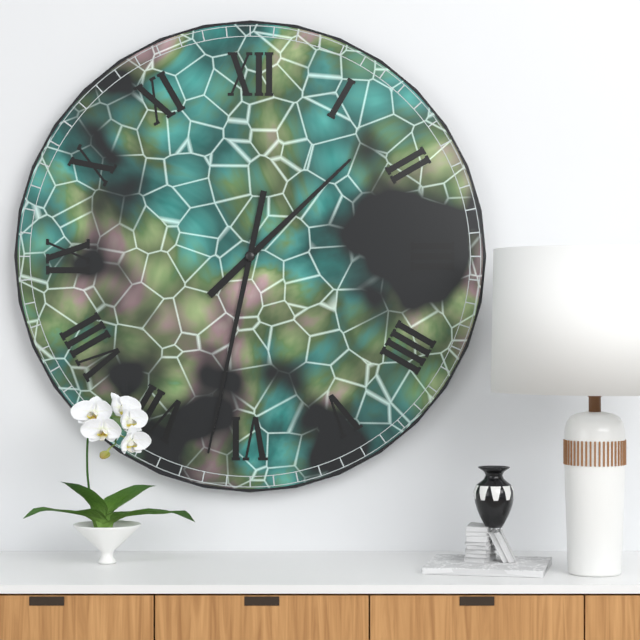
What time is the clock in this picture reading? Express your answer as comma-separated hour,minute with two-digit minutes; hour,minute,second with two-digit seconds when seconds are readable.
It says 1,32
